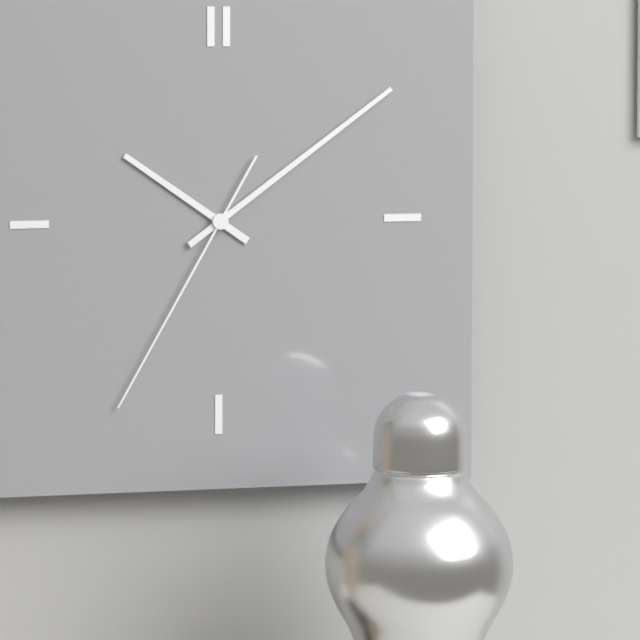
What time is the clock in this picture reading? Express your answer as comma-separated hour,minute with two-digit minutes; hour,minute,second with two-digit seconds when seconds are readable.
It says 10,09,35
